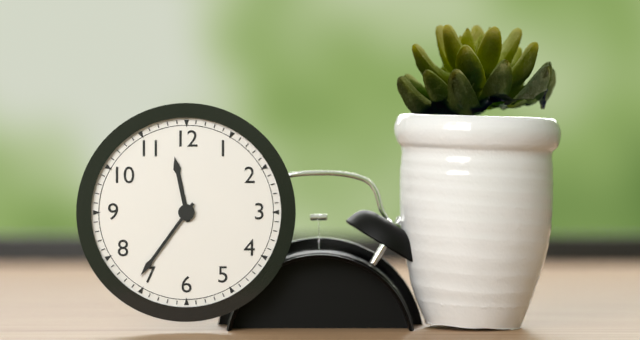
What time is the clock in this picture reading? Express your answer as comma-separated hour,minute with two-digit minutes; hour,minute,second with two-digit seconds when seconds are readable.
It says 11,36
